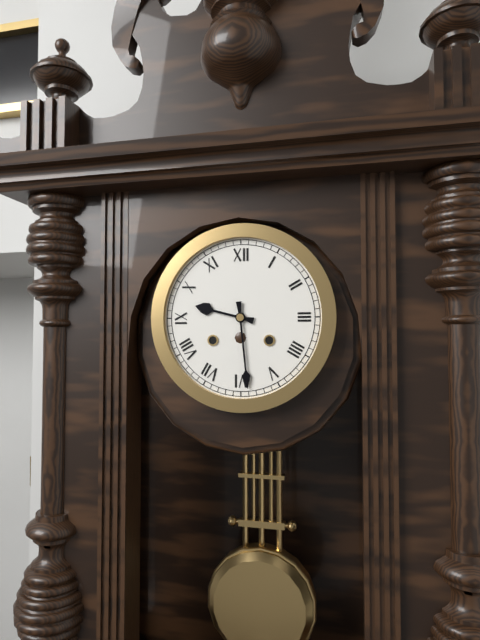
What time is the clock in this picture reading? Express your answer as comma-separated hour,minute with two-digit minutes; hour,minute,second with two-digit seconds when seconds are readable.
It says 9,29
